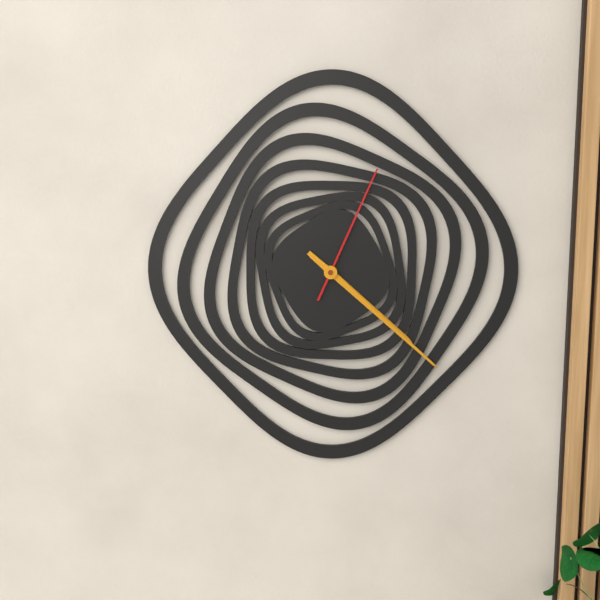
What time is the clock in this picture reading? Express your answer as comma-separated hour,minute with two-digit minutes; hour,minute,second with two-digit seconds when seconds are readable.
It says 4,22,04
